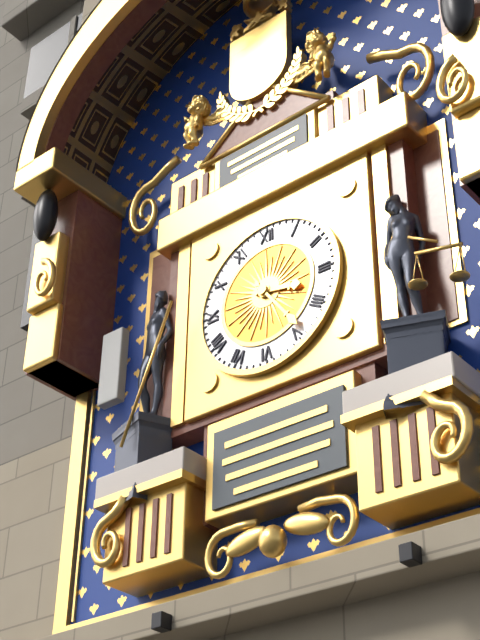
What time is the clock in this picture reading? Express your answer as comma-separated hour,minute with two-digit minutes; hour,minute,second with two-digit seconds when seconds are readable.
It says 3,24
